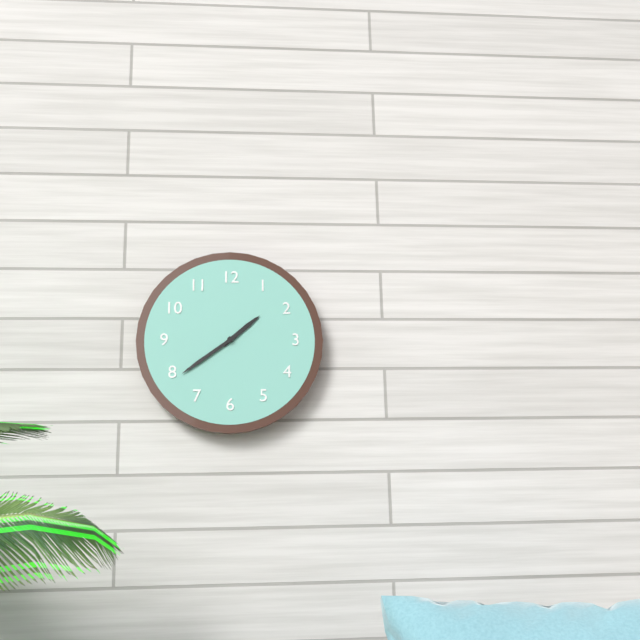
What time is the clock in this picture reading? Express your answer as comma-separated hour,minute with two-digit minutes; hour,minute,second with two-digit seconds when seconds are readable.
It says 1,39
